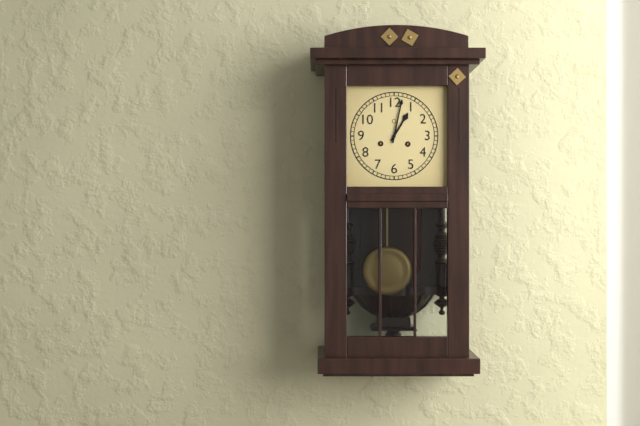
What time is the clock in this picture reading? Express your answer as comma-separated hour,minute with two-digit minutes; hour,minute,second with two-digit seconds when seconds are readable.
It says 1,02
